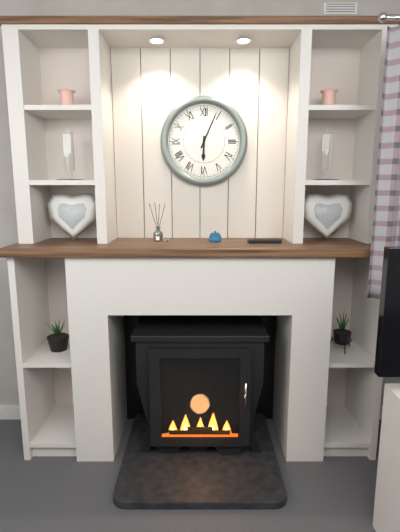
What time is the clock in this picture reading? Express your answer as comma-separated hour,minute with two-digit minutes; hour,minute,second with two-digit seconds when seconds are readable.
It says 6,04
